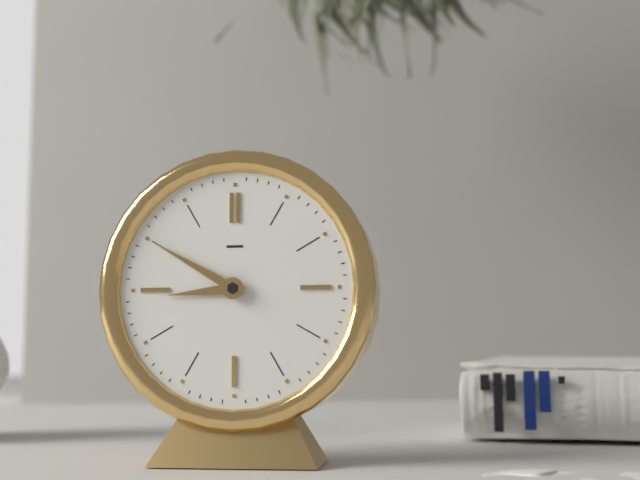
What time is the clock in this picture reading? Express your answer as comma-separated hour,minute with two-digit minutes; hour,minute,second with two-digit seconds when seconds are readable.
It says 8,50
